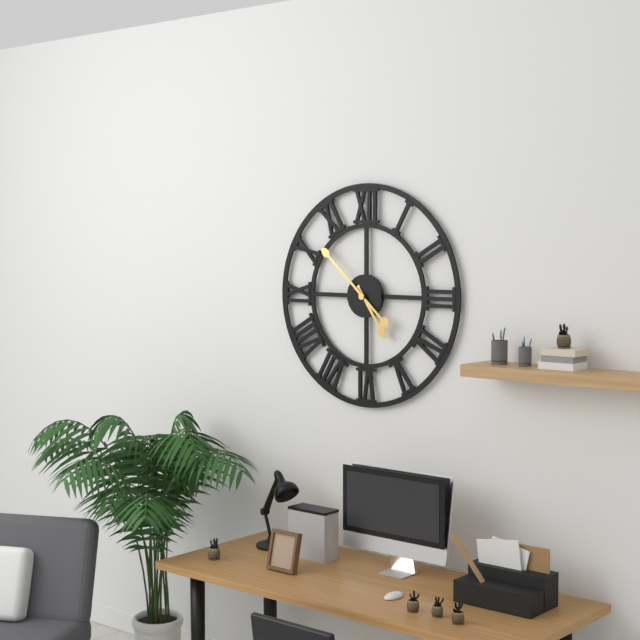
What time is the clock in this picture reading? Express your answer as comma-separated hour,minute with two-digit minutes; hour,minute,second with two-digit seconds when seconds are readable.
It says 4,52
